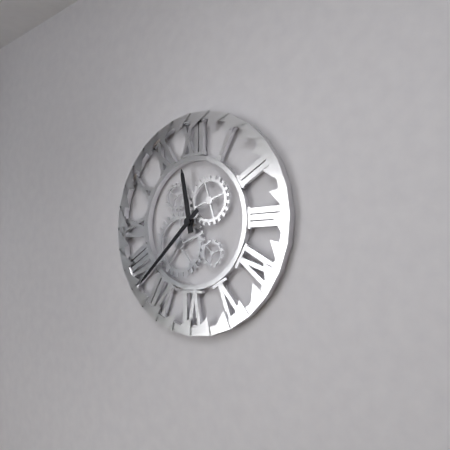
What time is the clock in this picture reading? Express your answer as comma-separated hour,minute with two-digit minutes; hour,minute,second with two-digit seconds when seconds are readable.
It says 11,38
